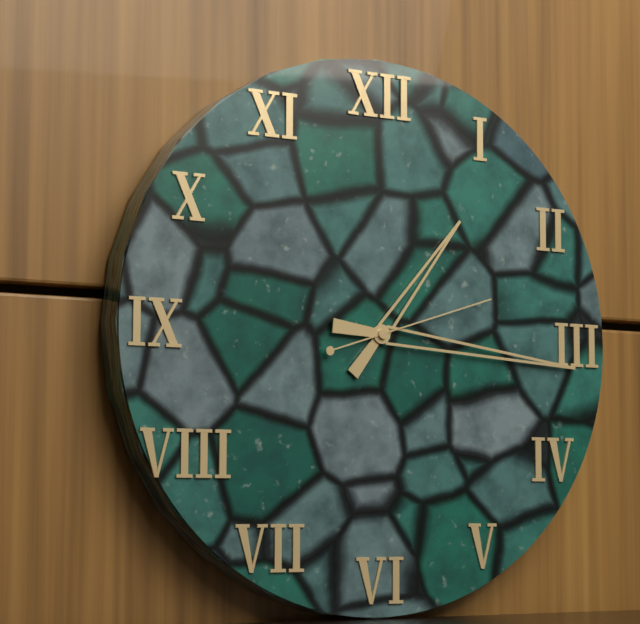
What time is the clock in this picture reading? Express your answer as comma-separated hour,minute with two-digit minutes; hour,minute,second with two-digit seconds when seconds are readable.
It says 1,16,12
